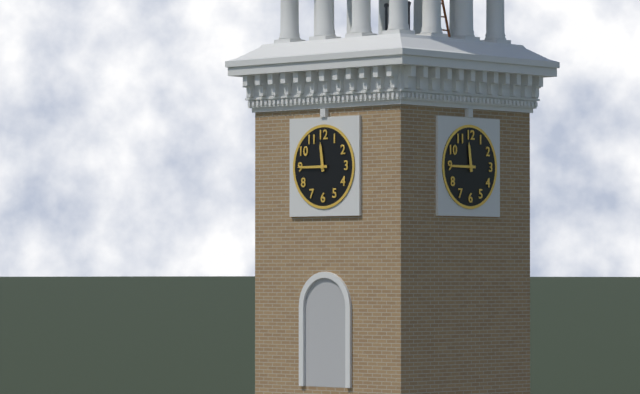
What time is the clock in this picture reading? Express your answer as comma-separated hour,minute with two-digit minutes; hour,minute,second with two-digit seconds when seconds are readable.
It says 11,45
